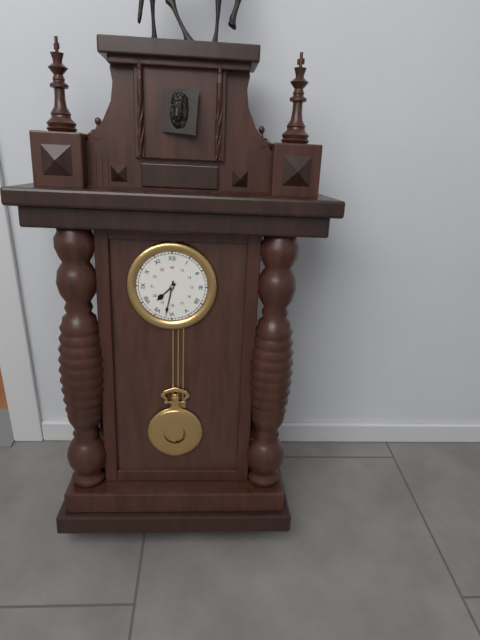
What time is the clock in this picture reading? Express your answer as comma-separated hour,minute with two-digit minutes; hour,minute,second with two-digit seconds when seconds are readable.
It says 7,32
